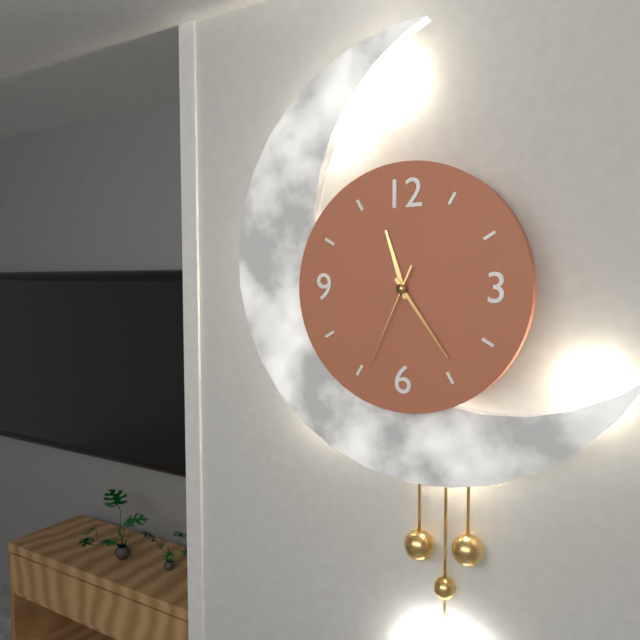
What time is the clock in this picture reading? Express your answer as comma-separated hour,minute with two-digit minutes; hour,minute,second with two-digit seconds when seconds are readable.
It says 11,24,34
